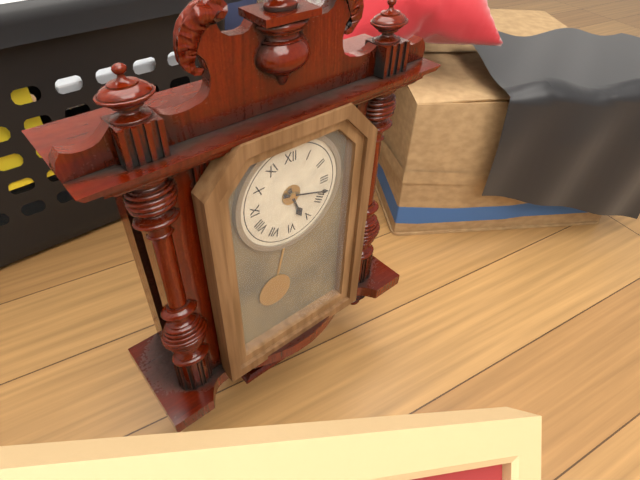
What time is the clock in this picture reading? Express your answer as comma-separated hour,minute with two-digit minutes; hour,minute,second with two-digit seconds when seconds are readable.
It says 5,18
